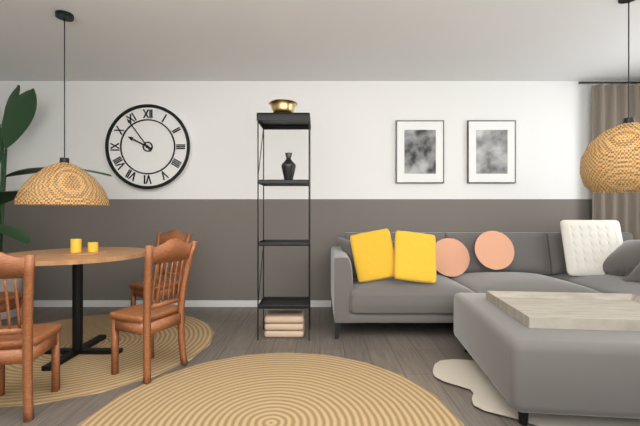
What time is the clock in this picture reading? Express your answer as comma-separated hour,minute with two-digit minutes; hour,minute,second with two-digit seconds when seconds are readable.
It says 9,54
